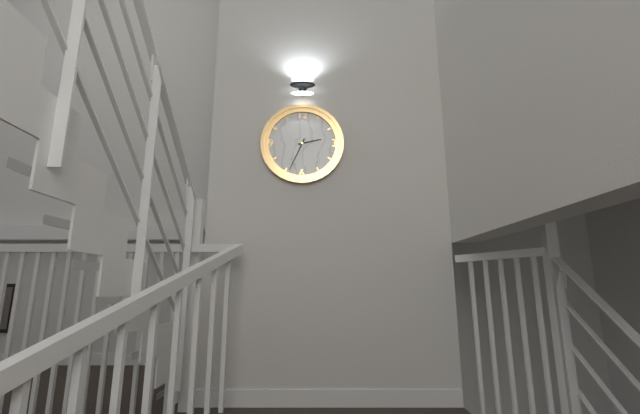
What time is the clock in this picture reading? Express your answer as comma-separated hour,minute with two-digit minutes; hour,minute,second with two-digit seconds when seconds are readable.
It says 2,34
